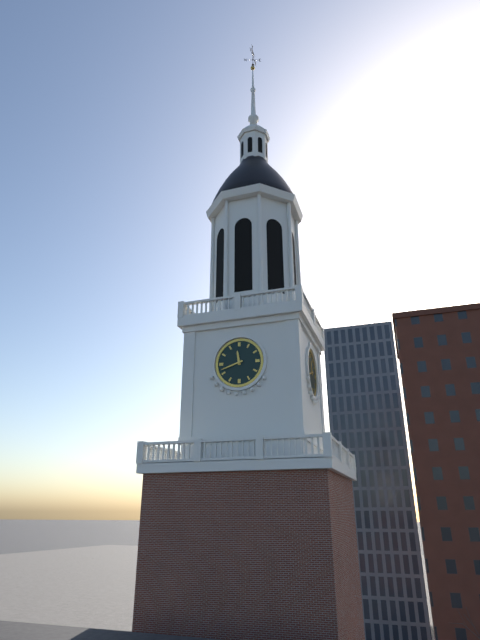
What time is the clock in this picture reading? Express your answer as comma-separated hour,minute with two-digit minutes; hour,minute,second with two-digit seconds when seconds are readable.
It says 11,42
